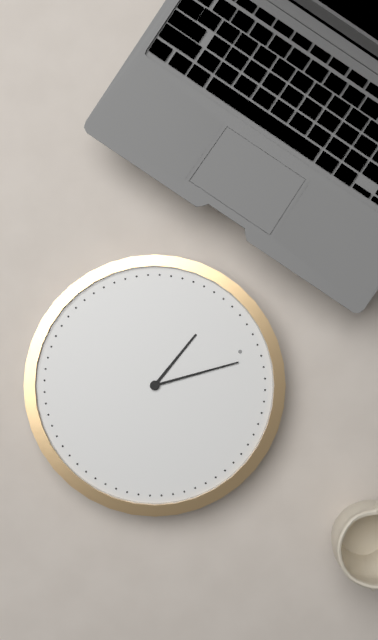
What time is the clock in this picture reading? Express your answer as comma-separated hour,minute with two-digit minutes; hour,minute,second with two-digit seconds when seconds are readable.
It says 11,01
